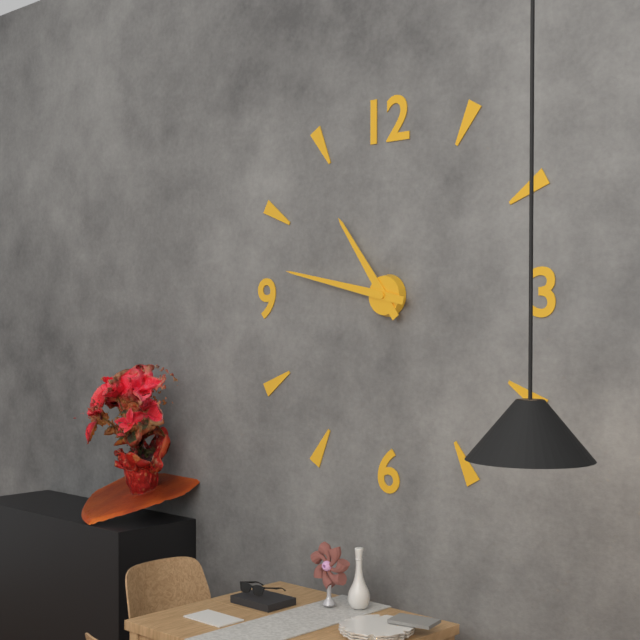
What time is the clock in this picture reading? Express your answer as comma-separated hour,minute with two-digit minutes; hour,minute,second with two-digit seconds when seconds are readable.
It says 10,47
